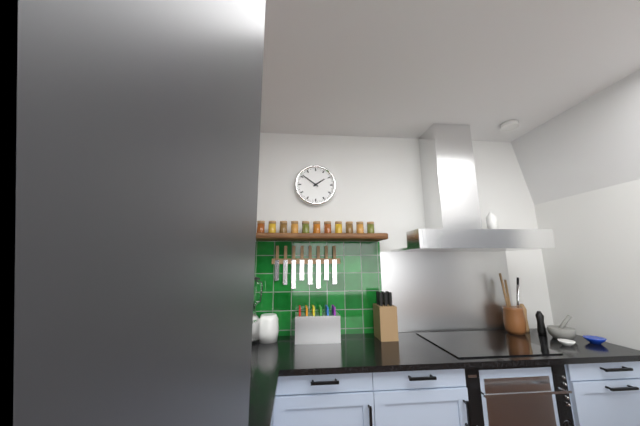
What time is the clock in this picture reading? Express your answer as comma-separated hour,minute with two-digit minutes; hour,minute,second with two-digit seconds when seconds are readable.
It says 1,51
